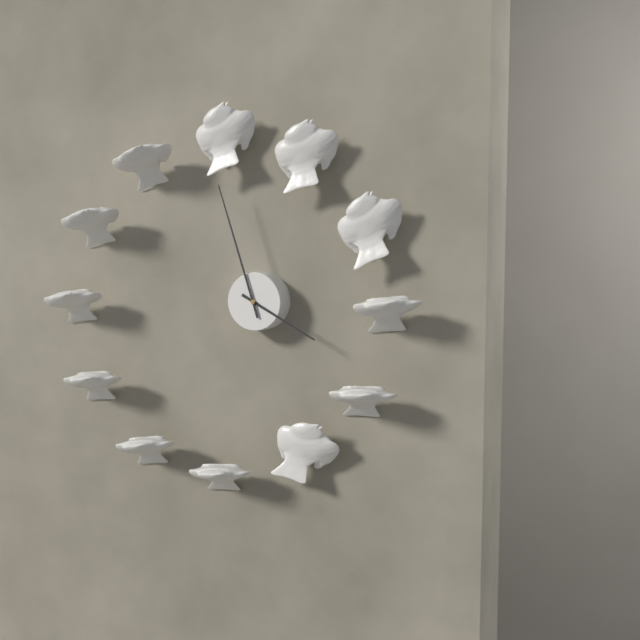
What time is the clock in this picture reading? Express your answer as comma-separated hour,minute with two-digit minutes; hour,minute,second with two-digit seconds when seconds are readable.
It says 3,57
